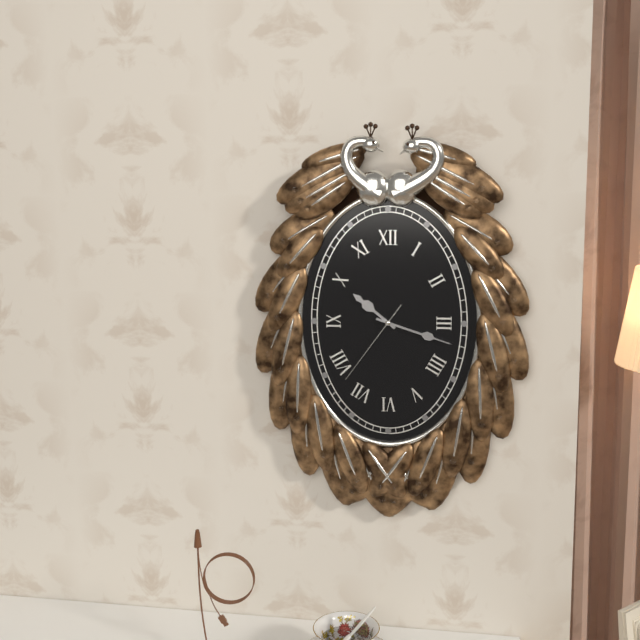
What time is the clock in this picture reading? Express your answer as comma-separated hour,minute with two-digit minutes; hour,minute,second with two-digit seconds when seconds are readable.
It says 10,18,36
